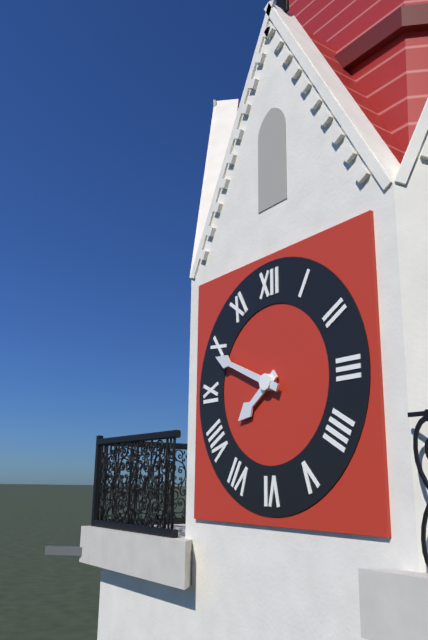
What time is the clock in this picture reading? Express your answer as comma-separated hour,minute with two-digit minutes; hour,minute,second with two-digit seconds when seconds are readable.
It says 7,49
